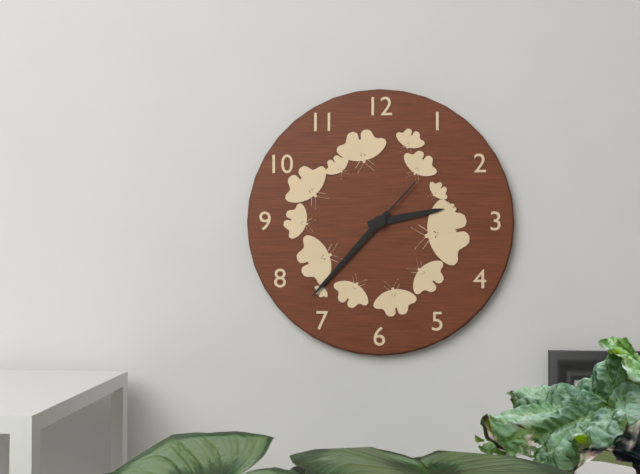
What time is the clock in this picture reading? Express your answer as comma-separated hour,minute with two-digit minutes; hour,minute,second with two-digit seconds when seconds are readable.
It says 2,37,37
